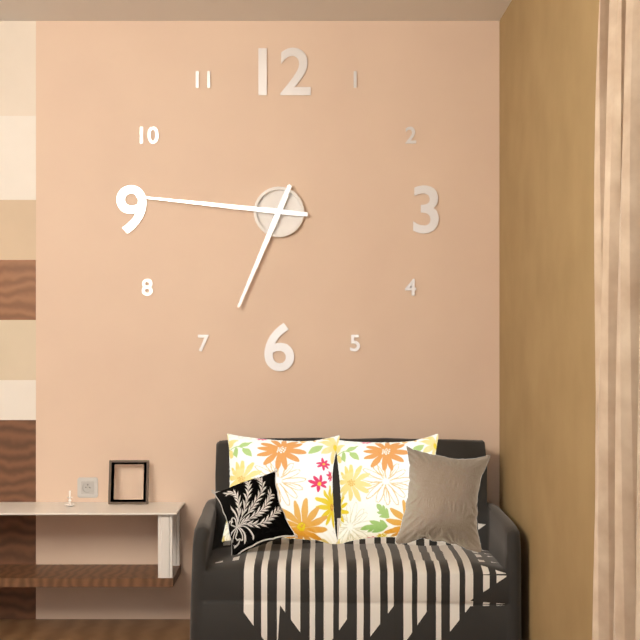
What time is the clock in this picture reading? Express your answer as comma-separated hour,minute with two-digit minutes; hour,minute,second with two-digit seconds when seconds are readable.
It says 6,46
